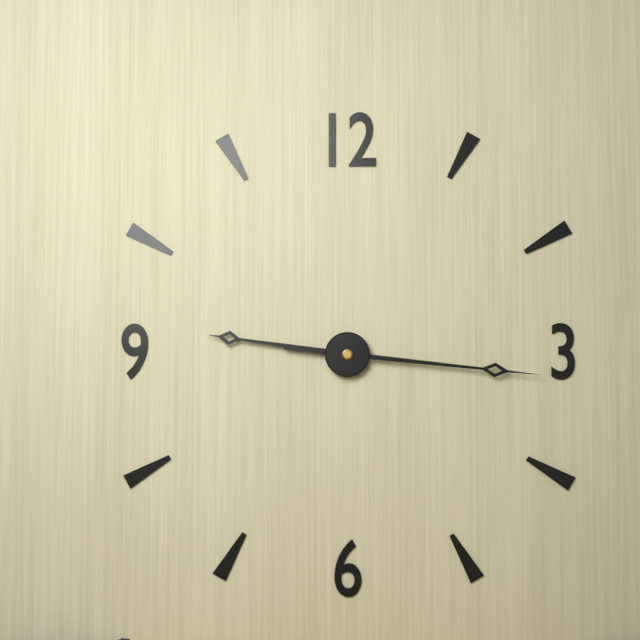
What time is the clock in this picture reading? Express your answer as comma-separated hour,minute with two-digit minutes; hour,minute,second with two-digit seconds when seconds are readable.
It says 9,16
